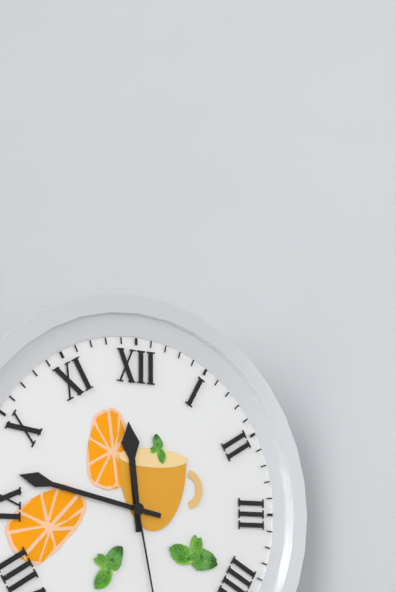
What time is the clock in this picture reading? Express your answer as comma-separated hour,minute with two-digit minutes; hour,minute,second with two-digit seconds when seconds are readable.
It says 11,47
